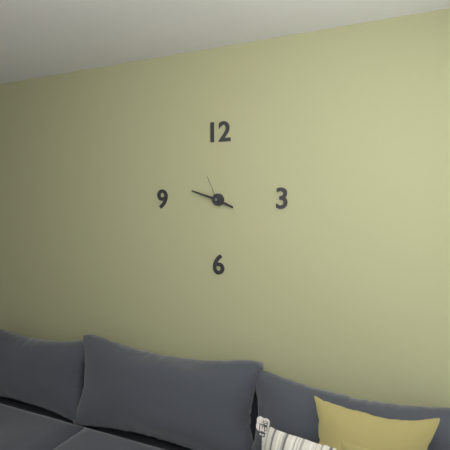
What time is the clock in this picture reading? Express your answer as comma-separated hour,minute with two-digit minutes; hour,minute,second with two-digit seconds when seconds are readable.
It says 3,48
